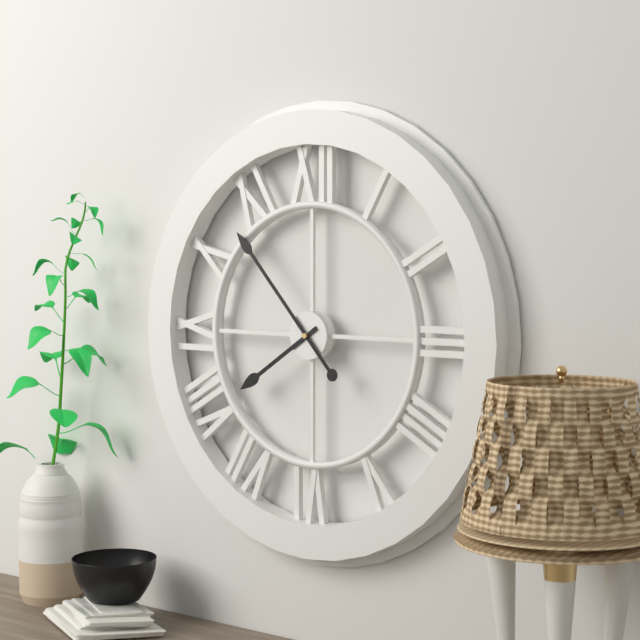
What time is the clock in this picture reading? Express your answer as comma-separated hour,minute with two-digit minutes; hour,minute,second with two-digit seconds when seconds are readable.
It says 7,53
